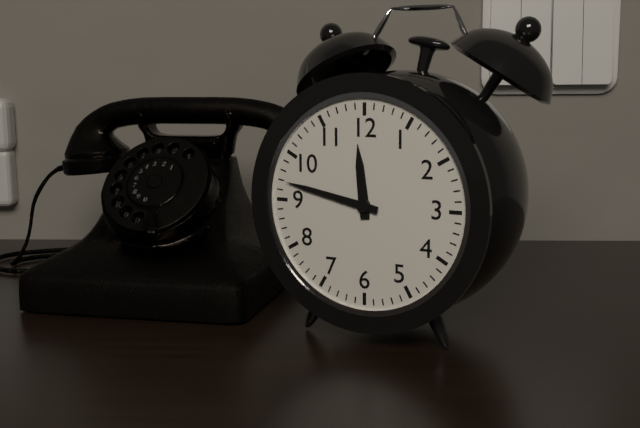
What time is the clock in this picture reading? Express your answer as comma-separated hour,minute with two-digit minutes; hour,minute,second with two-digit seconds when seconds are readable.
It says 11,47
